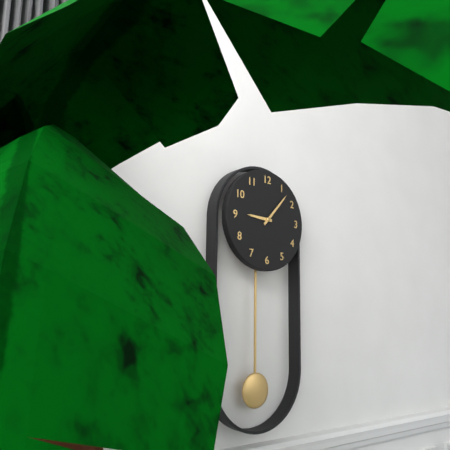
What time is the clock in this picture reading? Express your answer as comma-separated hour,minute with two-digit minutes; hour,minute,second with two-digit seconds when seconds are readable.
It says 9,07
